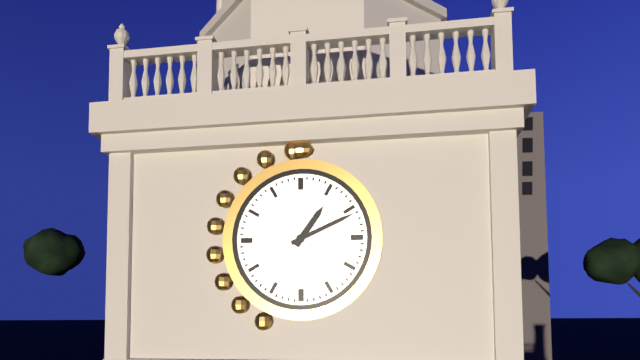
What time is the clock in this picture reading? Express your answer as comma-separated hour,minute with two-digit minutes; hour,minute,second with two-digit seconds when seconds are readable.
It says 1,11
